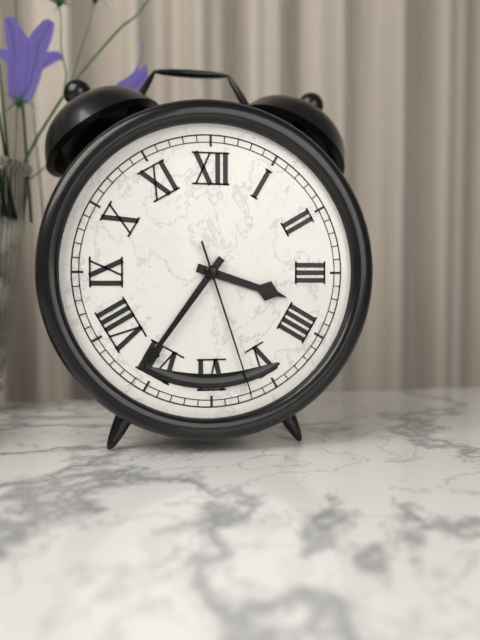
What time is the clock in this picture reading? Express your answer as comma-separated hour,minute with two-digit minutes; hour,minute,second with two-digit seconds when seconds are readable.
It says 3,36,27
